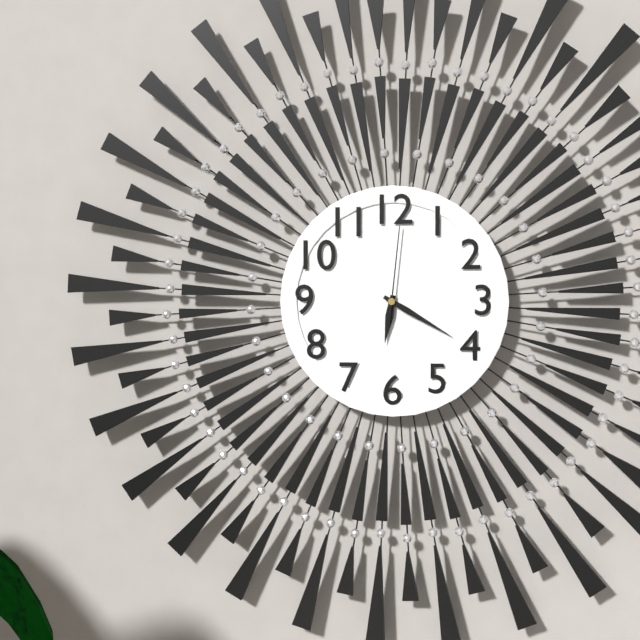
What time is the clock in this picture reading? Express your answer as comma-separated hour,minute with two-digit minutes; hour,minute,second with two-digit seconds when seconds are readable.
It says 6,20,01
